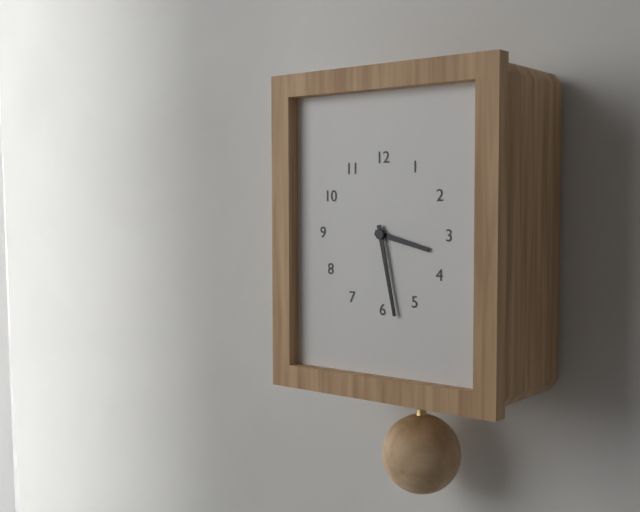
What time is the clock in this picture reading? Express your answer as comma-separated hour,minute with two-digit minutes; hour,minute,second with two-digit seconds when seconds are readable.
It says 3,28
